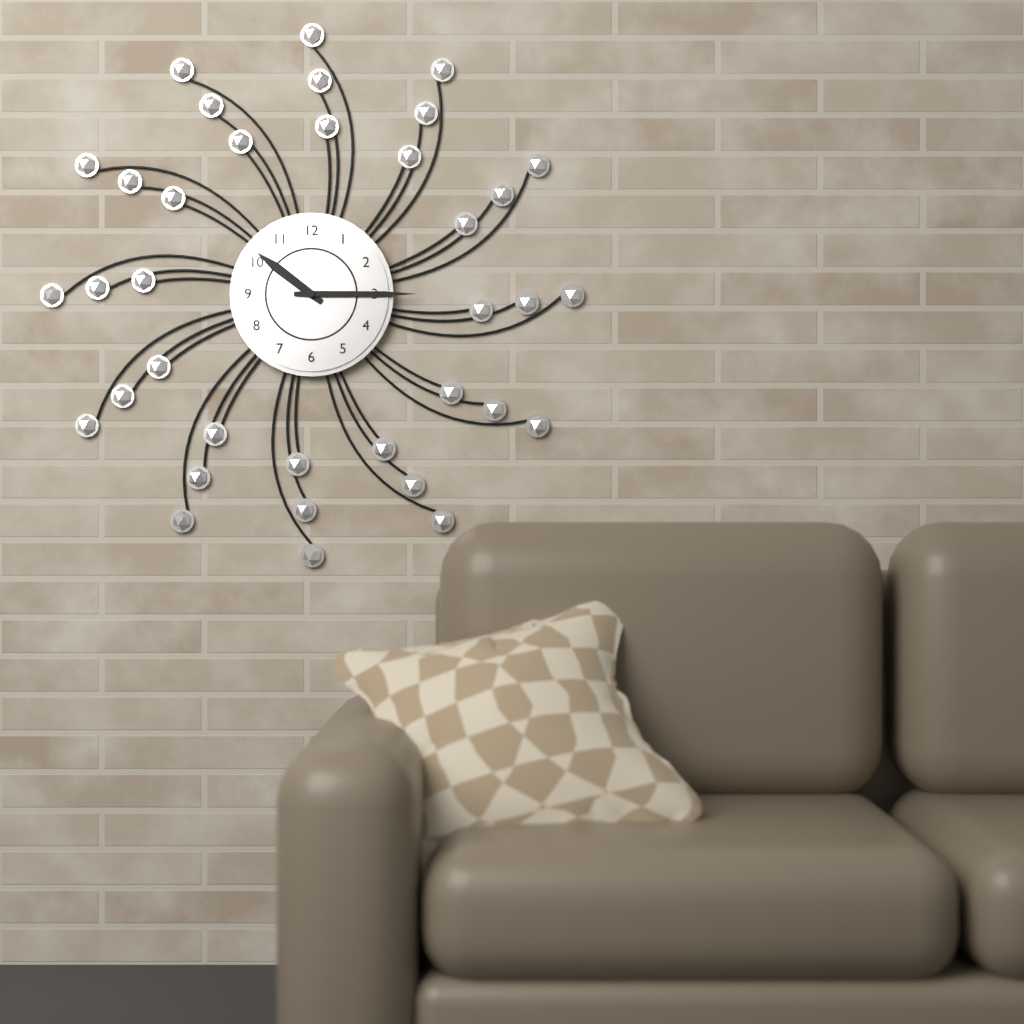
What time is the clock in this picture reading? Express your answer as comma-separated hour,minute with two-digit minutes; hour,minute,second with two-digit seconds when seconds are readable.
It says 10,15
